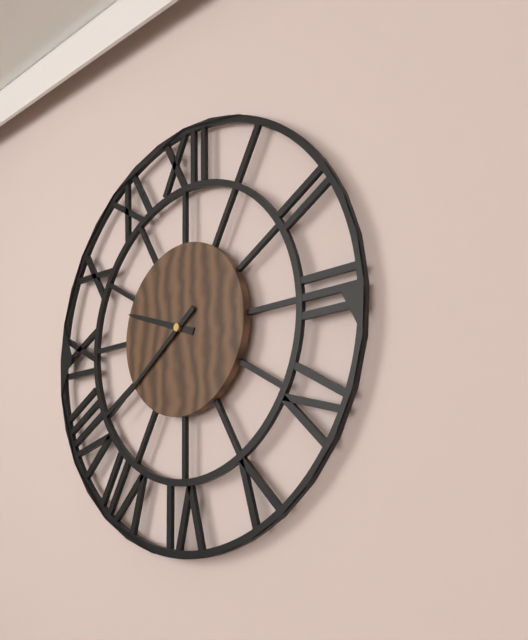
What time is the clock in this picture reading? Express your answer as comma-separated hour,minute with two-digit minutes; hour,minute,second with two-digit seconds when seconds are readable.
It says 9,39
